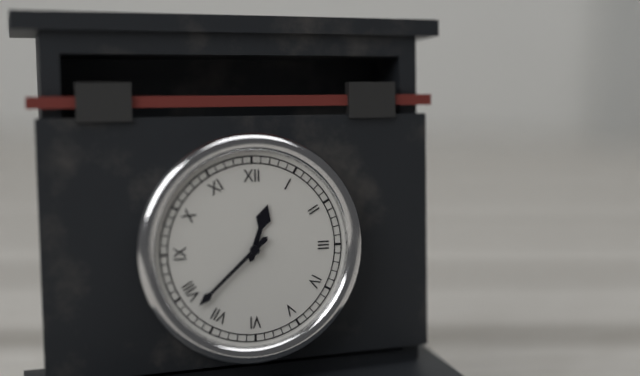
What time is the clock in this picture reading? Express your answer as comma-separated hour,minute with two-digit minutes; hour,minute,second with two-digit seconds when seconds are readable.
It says 12,38
